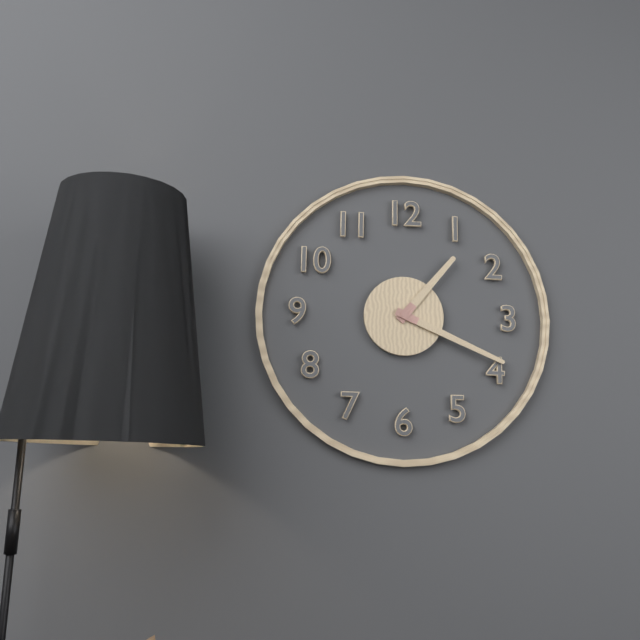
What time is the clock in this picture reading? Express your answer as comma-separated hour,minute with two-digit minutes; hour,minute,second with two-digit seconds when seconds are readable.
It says 1,19
